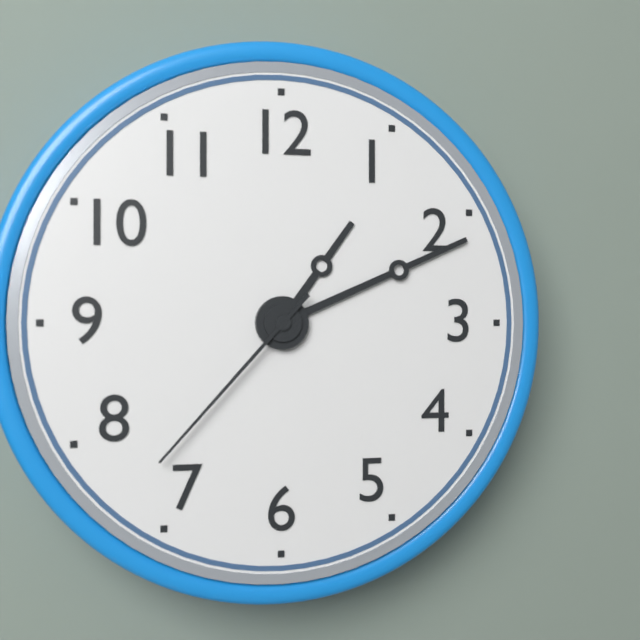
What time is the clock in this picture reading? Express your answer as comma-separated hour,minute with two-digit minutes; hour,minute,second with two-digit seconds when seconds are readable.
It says 1,11,37
